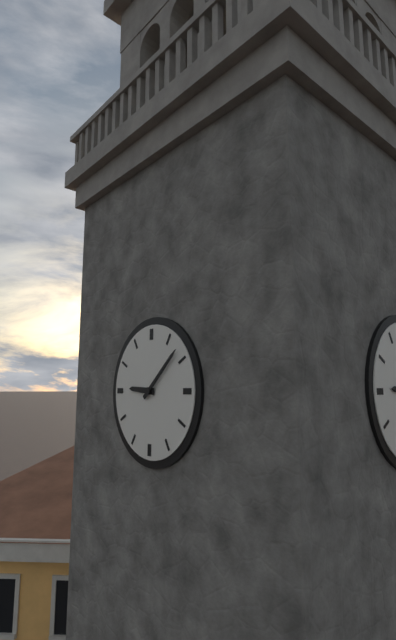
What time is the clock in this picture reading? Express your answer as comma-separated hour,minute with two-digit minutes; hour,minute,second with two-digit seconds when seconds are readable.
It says 9,08
